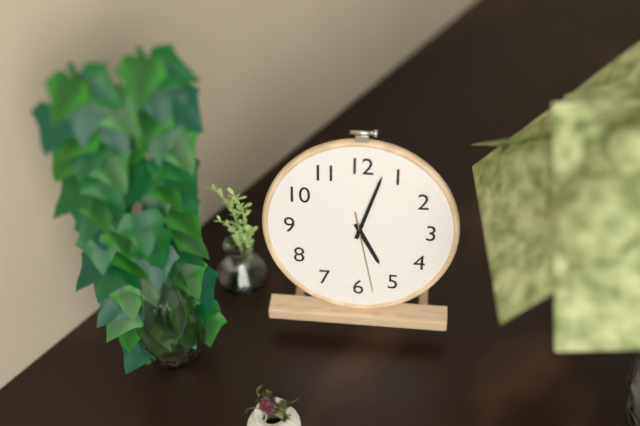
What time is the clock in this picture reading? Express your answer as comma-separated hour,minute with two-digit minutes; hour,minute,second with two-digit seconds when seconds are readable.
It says 5,03,28
